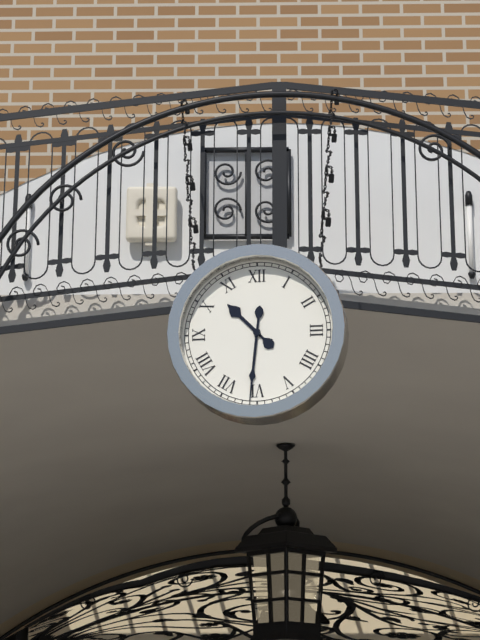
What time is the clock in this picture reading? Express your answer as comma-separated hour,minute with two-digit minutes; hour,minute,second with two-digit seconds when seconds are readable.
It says 10,31
